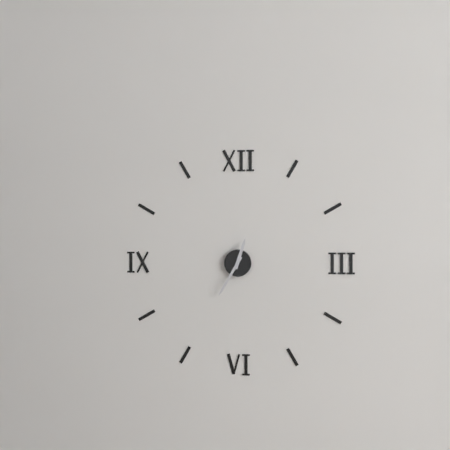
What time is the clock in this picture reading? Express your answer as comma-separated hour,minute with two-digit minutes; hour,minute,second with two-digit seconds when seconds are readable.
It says 12,35
